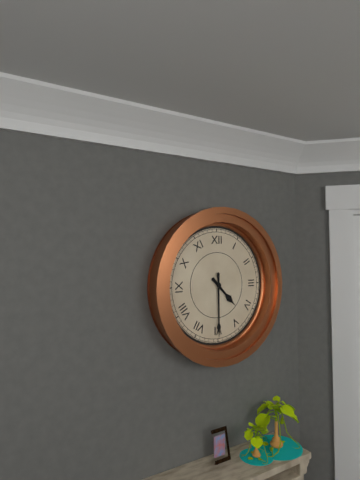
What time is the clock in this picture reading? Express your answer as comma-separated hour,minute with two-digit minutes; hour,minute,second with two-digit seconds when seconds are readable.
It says 4,30
